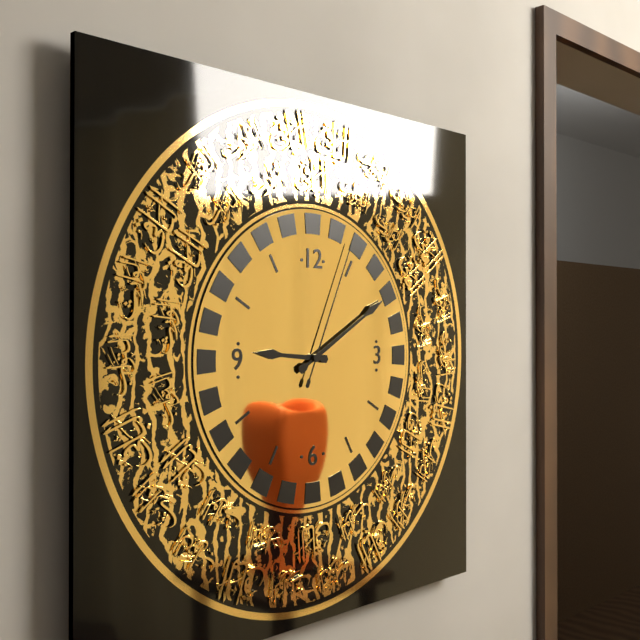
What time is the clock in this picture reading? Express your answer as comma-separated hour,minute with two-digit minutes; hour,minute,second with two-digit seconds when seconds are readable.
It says 9,10,04
